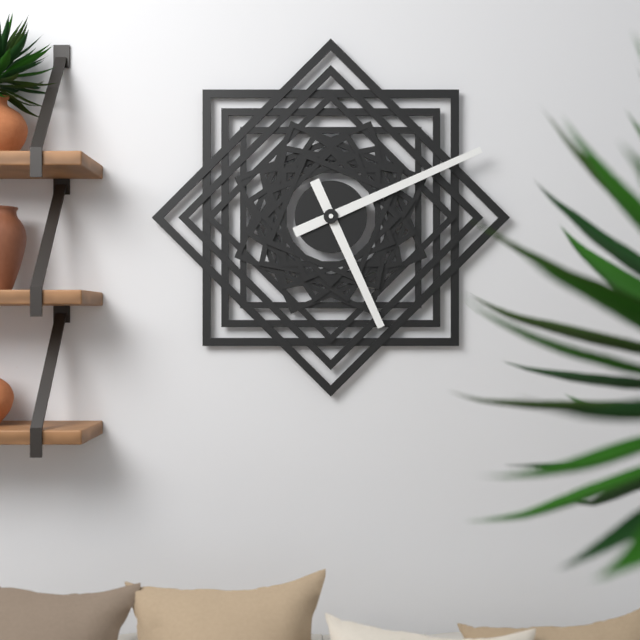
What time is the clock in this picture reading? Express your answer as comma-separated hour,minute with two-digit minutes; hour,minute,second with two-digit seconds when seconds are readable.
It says 5,11
